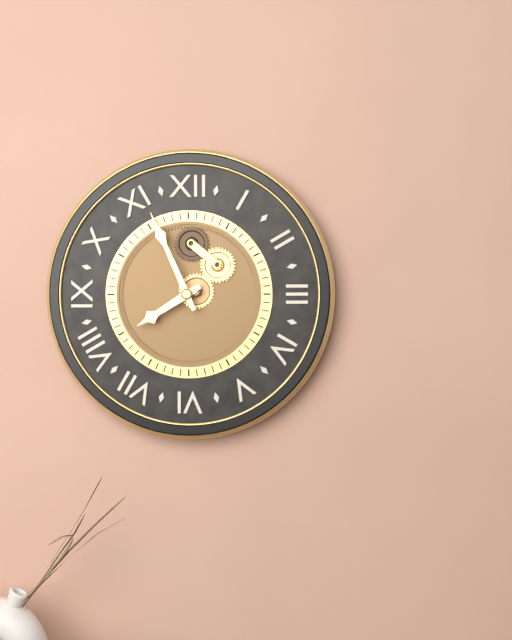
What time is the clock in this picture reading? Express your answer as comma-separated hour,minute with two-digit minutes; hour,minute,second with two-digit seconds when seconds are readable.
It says 7,56
